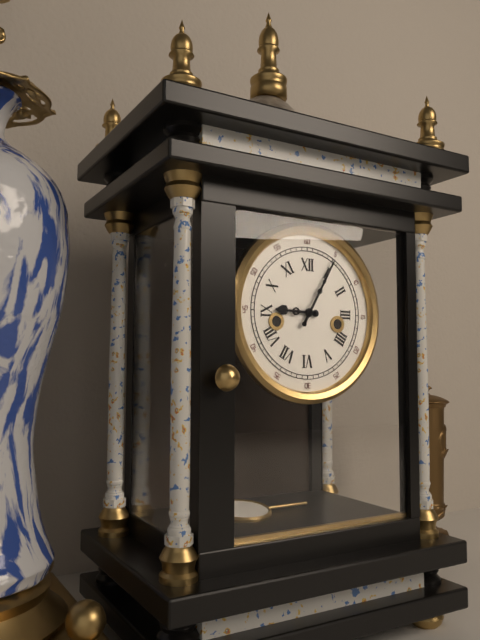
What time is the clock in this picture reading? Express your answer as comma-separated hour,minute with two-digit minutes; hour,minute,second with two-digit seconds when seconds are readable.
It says 9,05
